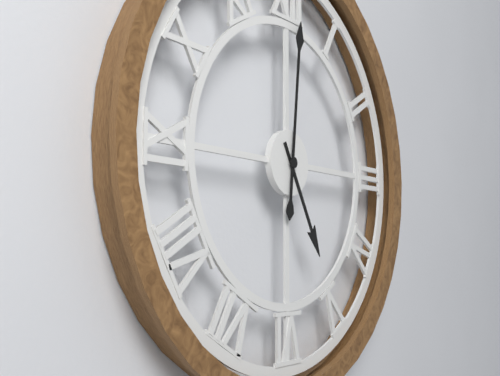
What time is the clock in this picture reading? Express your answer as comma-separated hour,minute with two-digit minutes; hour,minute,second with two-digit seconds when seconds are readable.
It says 5,01
